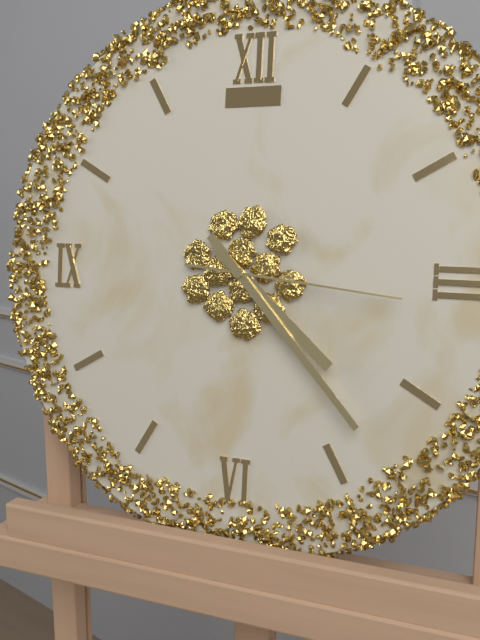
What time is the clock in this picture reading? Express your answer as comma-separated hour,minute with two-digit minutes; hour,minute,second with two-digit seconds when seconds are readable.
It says 4,23,16
